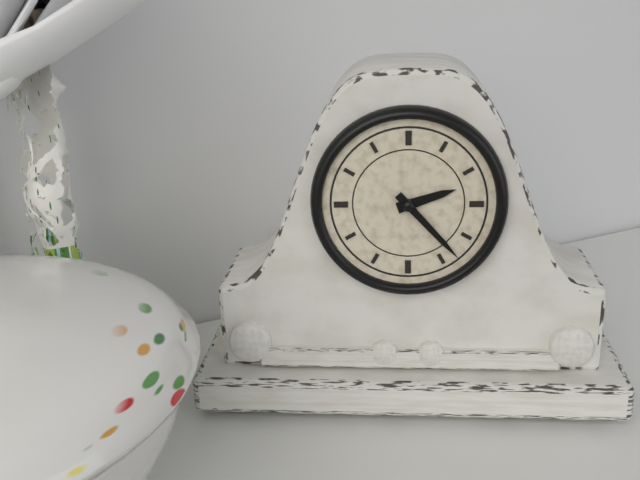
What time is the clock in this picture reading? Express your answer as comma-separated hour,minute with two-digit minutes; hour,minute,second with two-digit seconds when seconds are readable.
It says 2,23
